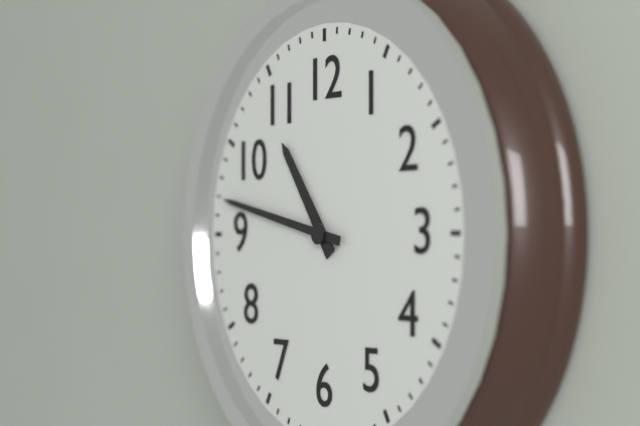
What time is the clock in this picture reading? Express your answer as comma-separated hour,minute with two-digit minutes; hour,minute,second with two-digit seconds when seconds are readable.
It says 10,47
